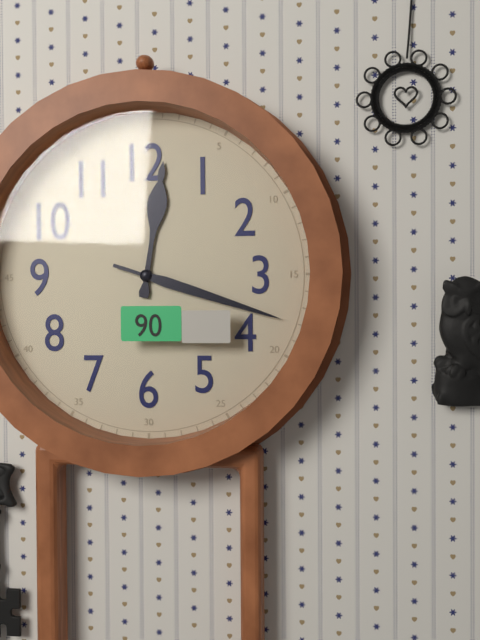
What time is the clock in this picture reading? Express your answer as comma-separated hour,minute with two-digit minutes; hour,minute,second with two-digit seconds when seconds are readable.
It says 12,18
